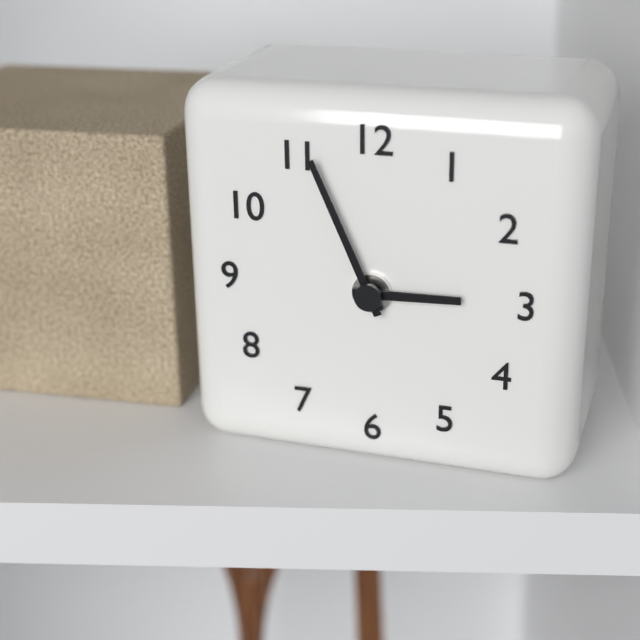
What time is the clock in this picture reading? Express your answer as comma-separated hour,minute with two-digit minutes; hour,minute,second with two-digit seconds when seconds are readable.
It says 2,56
